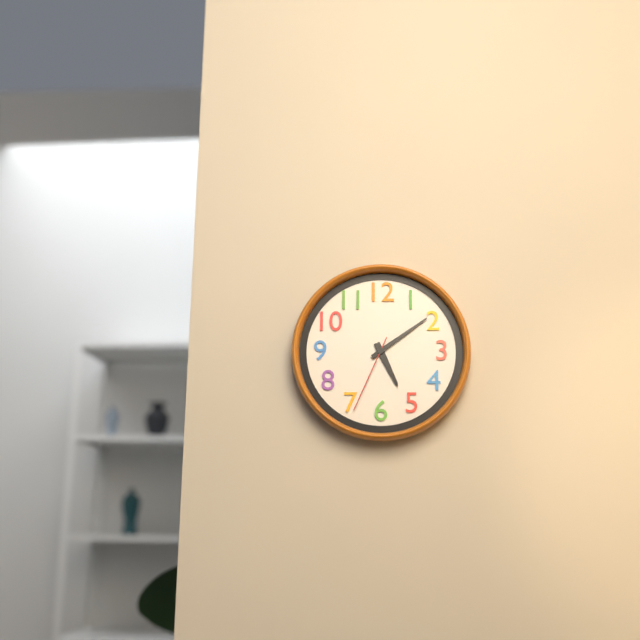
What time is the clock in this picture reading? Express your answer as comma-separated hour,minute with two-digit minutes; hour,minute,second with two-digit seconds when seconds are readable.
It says 5,09,34
